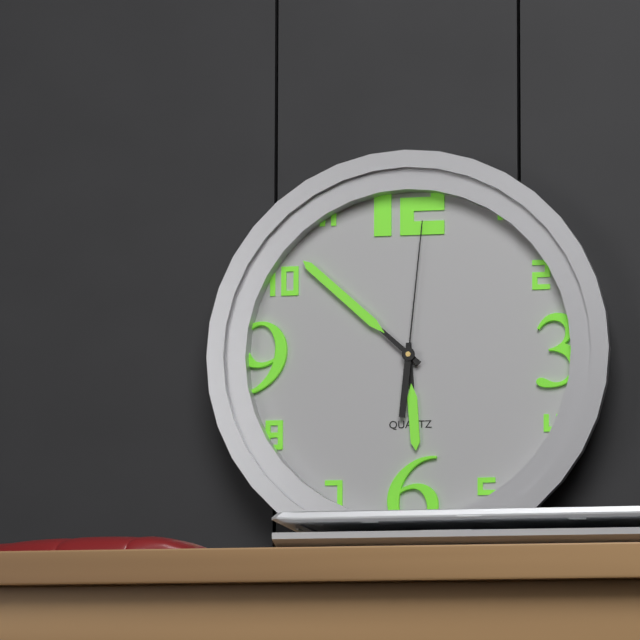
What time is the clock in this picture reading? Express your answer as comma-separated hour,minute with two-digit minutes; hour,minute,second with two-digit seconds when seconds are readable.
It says 5,52,01
